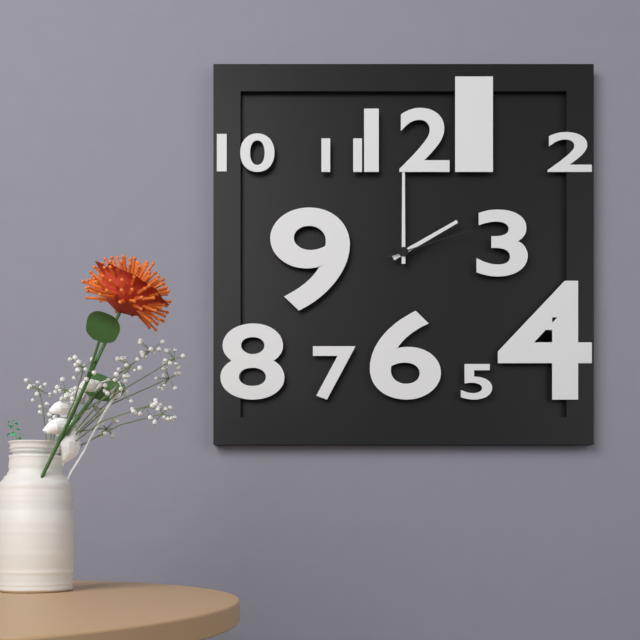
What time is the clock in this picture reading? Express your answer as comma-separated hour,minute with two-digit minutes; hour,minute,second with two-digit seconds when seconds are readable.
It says 2,00,12
